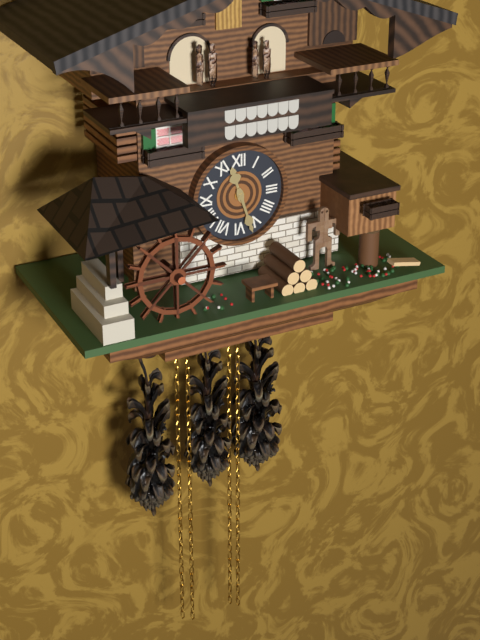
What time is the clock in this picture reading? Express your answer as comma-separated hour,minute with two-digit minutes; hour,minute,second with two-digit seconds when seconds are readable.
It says 11,27
